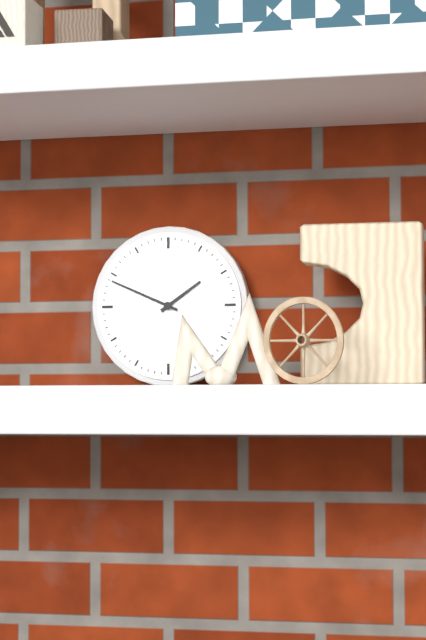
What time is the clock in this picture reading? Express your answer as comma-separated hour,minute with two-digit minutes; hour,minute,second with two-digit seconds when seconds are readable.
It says 1,49
